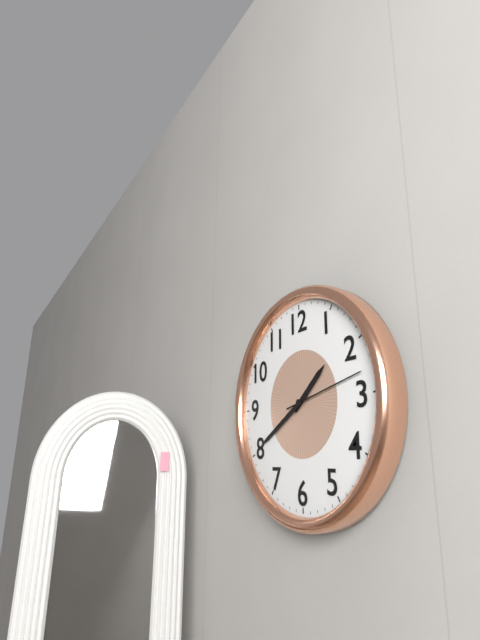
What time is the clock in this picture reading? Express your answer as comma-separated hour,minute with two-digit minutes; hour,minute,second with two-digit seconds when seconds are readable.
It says 1,40,13
